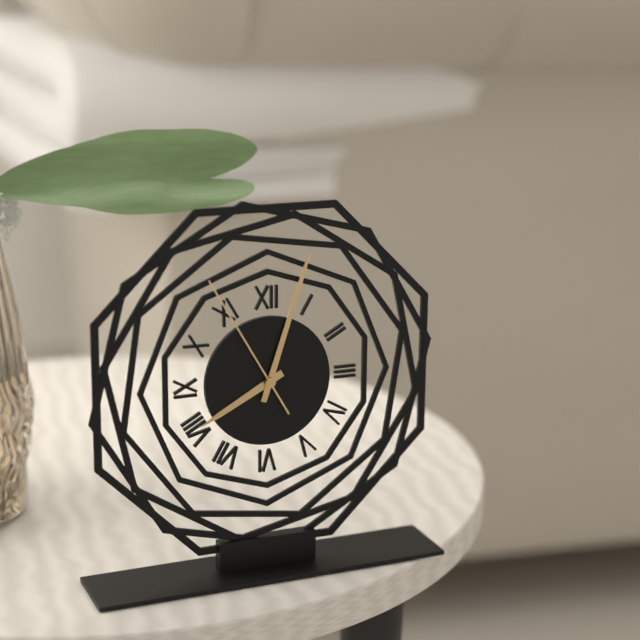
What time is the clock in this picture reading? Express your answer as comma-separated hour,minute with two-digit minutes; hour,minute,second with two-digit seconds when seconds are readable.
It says 8,03,55
